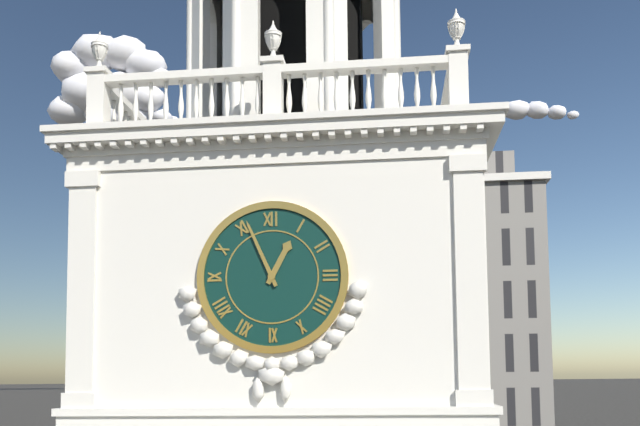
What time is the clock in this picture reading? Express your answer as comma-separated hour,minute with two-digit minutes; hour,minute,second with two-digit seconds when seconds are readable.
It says 12,56
